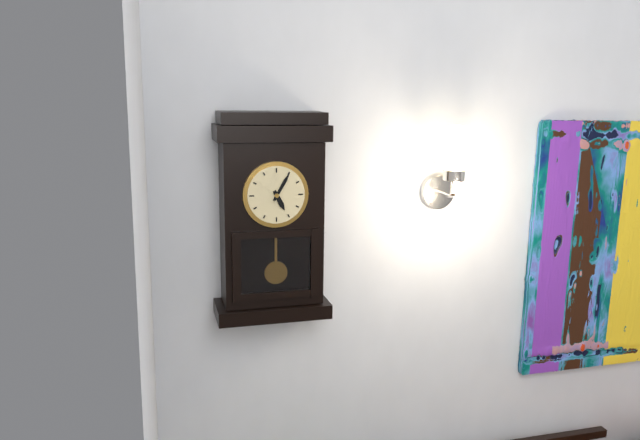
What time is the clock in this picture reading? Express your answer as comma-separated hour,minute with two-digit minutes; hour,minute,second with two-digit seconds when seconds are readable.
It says 5,05
